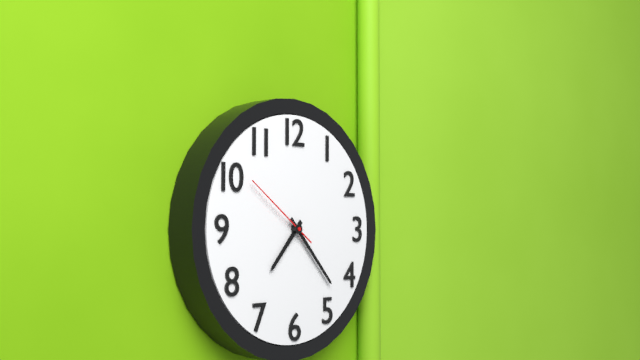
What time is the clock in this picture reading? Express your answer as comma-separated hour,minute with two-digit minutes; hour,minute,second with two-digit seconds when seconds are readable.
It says 7,23,51
